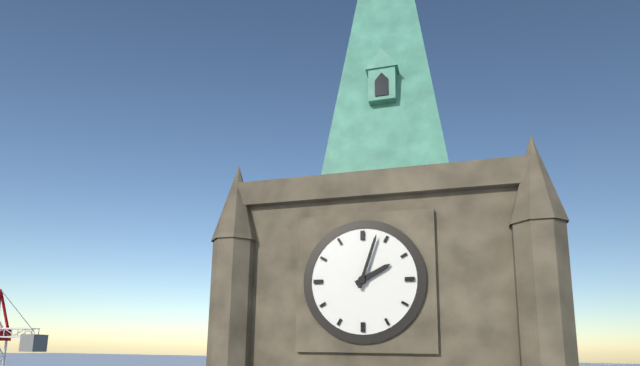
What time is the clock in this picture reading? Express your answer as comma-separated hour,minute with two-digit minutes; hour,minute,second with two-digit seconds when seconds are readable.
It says 2,03
